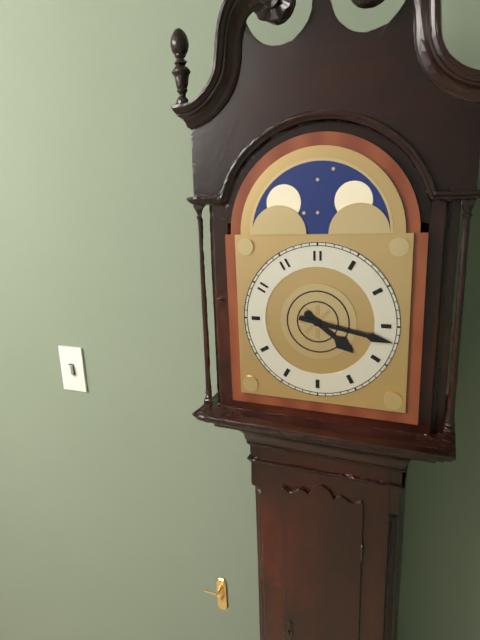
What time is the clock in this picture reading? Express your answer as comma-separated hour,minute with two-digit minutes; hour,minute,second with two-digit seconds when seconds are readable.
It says 4,17
